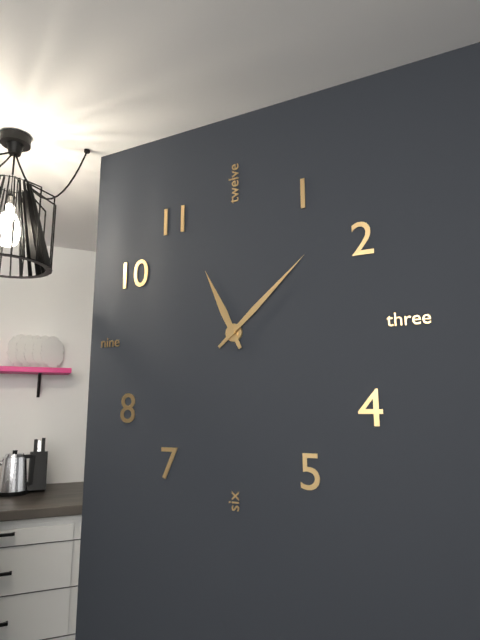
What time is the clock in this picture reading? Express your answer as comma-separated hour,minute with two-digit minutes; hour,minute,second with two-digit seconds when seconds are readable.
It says 11,08
